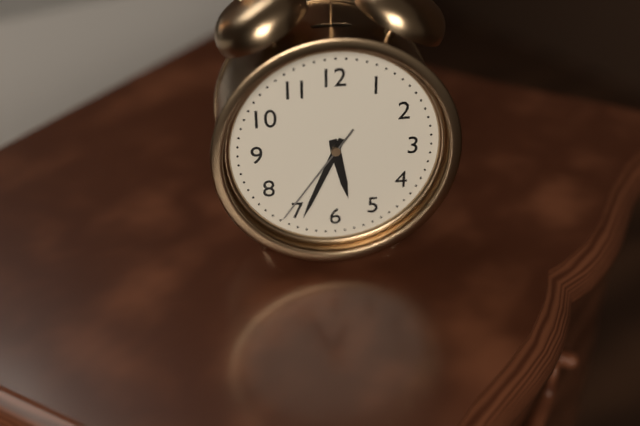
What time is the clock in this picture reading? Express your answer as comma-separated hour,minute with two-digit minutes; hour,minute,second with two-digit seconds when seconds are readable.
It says 5,34,36
